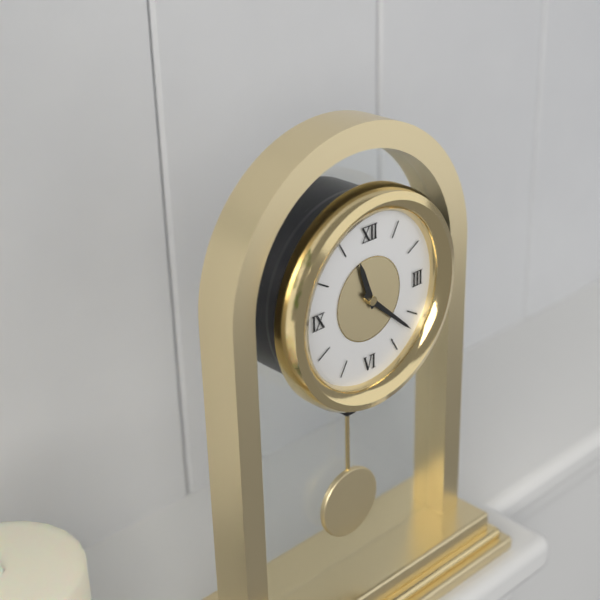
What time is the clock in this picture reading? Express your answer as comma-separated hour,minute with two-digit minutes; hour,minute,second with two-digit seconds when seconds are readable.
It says 11,22
